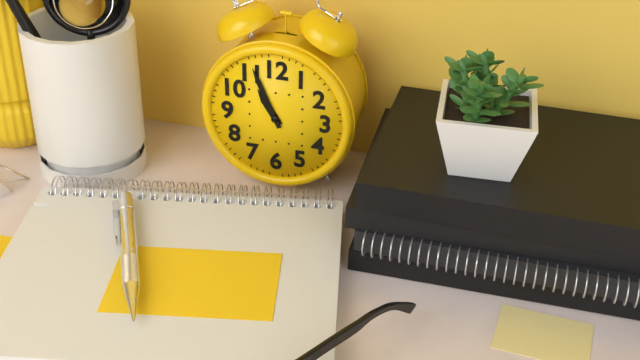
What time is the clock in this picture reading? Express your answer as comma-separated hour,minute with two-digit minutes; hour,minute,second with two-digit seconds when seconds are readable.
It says 10,56
